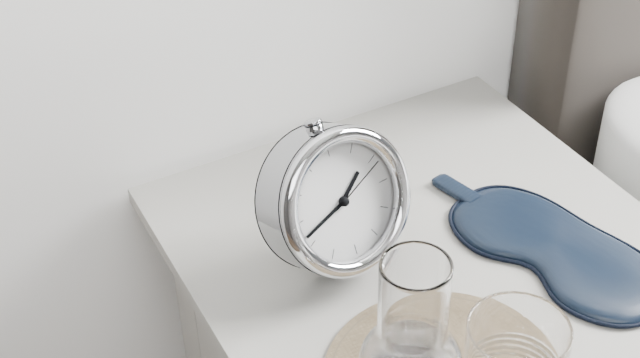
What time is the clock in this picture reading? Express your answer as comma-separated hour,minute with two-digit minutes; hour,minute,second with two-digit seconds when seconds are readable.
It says 1,42,11
